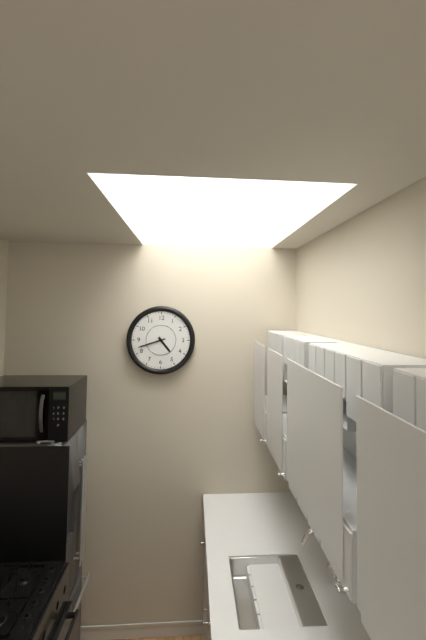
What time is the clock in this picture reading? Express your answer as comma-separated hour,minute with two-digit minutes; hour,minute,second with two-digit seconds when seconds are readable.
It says 4,42
